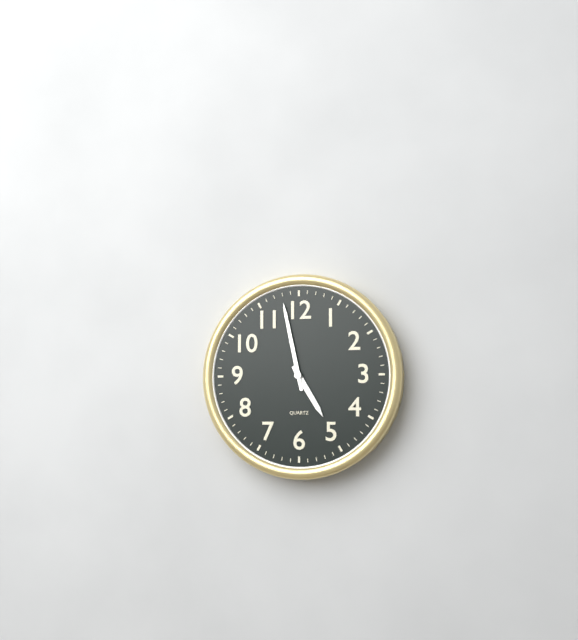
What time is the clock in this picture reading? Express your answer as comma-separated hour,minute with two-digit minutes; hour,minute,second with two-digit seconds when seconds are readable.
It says 4,58
